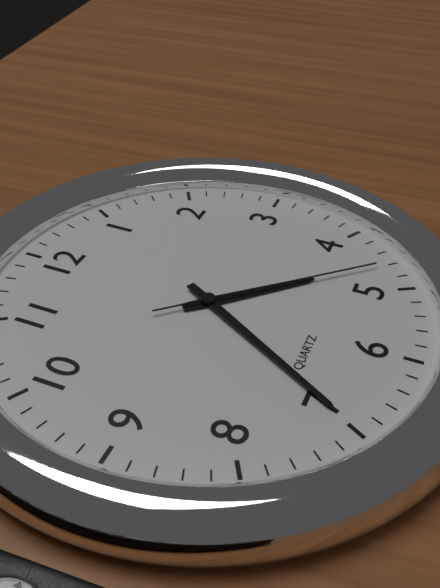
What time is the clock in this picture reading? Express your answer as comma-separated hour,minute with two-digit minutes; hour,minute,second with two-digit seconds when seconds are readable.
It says 4,35,23
